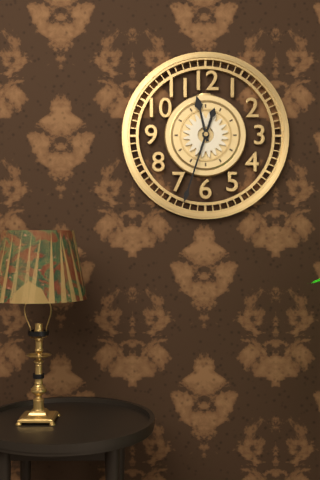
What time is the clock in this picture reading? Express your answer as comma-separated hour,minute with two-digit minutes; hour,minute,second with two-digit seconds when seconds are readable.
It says 11,33
